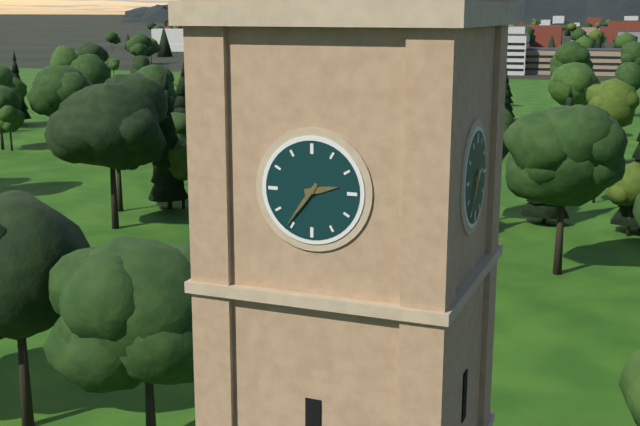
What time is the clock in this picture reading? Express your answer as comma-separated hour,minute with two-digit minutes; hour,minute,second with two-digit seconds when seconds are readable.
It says 2,36
